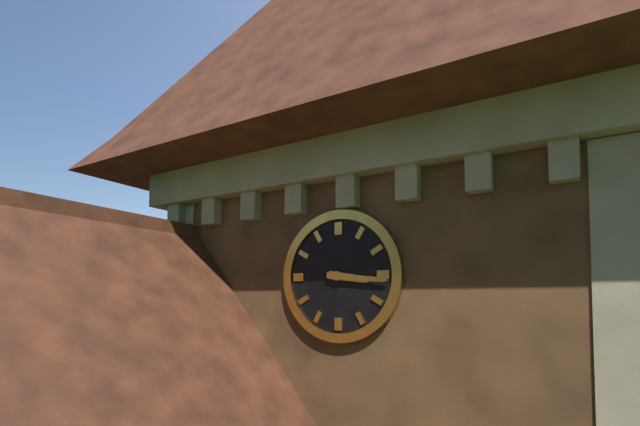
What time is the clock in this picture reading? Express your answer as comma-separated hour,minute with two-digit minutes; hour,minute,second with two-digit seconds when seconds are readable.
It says 3,16
